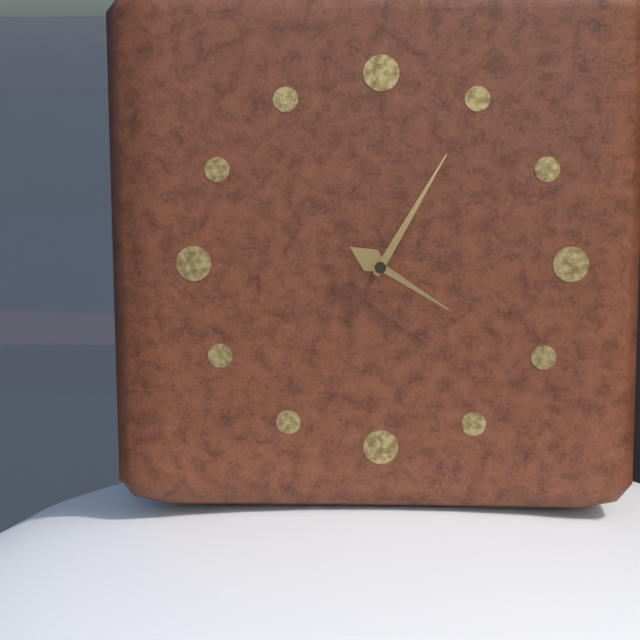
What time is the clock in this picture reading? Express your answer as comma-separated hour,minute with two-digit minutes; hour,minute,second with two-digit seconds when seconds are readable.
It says 4,05
